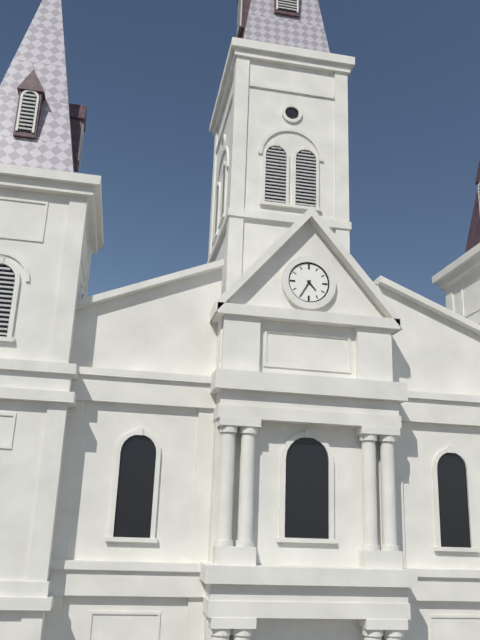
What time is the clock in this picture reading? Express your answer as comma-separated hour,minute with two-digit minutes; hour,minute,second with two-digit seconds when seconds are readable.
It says 4,35
